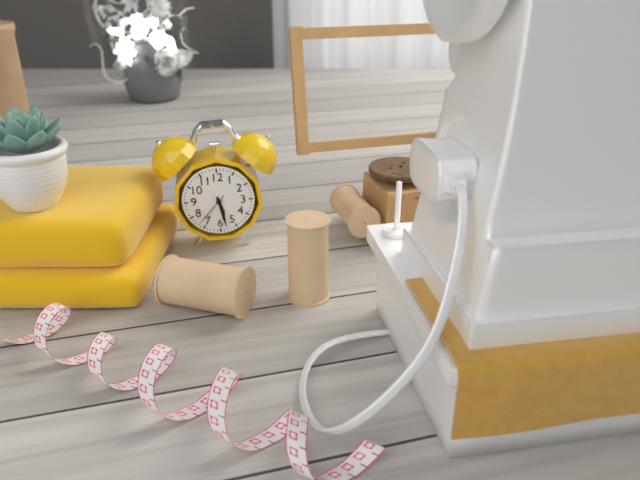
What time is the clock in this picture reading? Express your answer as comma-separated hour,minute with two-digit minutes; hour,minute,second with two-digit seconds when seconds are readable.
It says 5,28
